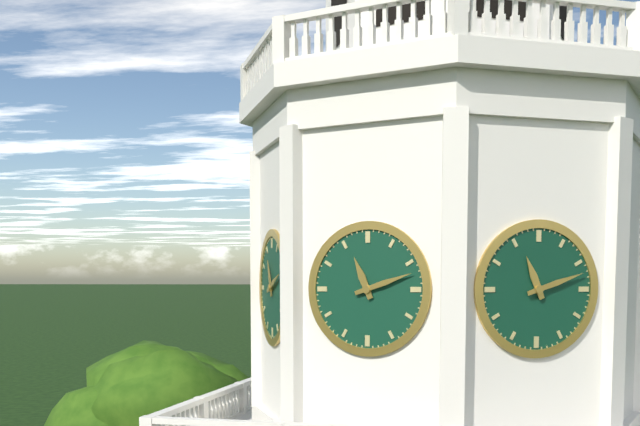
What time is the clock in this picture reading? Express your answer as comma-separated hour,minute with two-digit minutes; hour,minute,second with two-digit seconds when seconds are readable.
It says 11,12
